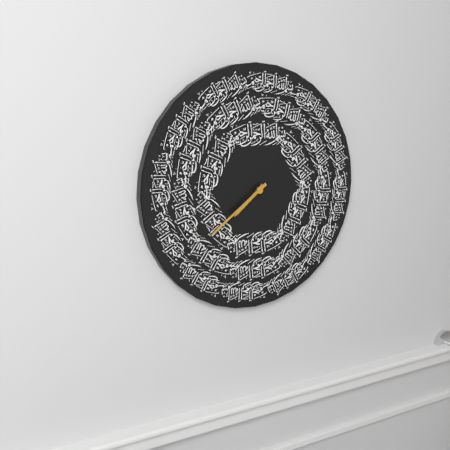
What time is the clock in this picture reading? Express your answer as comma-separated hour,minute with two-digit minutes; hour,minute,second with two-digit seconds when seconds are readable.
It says 7,39
